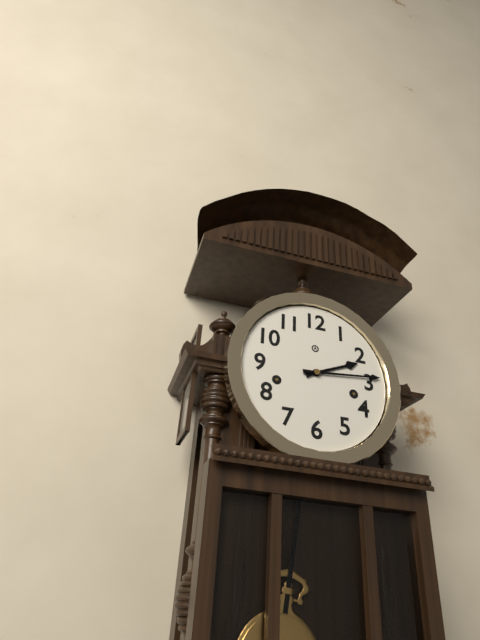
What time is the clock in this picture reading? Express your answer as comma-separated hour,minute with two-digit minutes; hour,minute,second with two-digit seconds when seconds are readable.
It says 2,14
